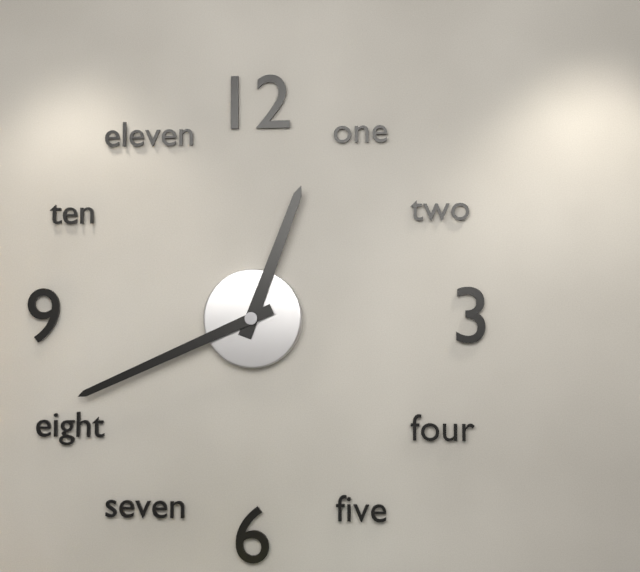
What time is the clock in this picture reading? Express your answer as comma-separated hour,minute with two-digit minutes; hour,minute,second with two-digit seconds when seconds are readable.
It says 12,41
